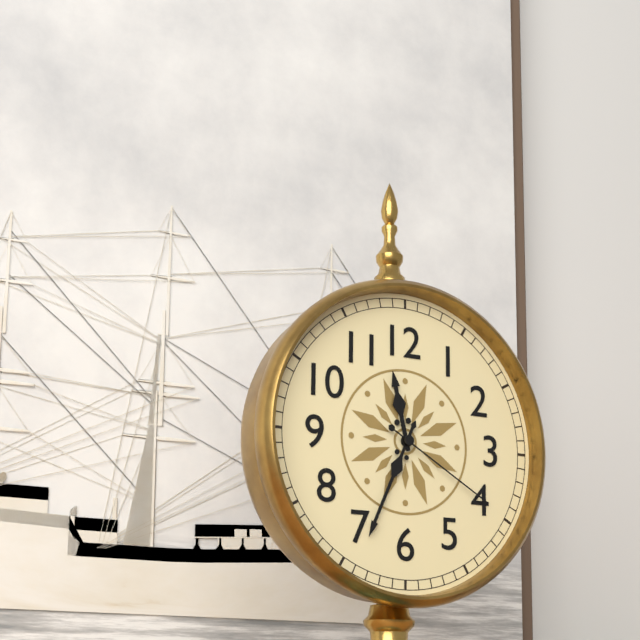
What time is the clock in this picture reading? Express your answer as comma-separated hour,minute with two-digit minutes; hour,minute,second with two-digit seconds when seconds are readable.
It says 11,34,20
